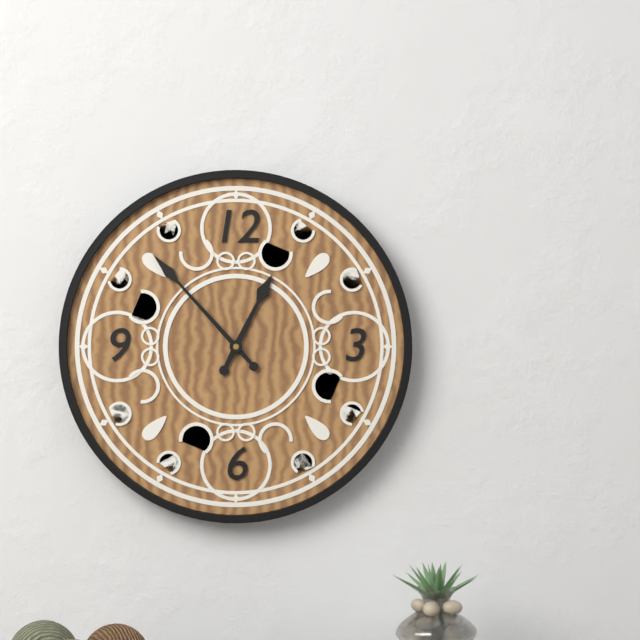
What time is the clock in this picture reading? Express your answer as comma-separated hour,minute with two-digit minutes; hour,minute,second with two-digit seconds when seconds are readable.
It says 12,53
